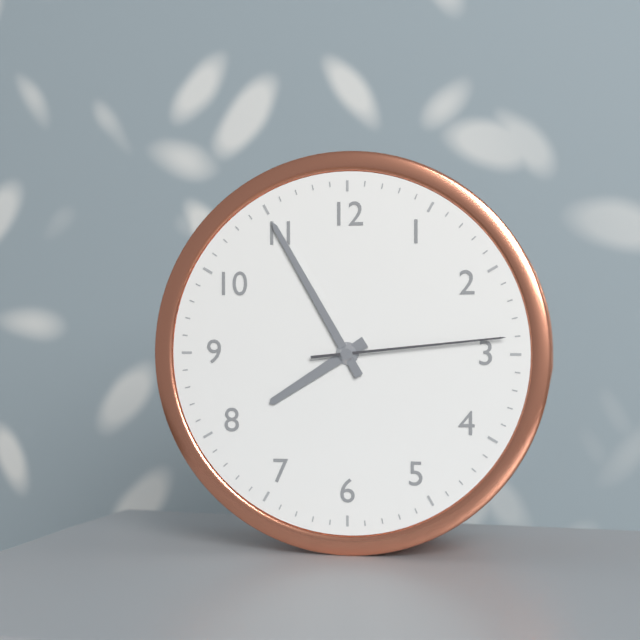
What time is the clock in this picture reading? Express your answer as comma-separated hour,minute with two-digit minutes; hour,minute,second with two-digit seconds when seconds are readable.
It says 7,55,14
